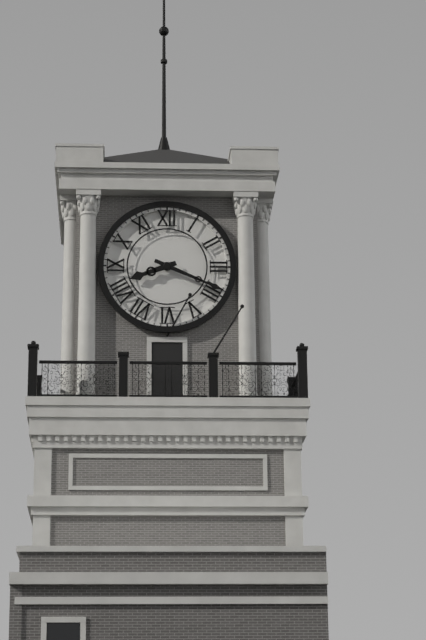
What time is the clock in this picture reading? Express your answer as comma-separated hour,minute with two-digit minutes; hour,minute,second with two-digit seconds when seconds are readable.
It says 8,19
